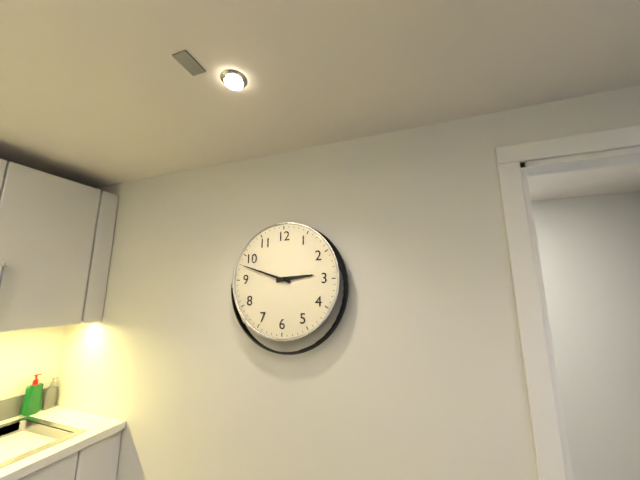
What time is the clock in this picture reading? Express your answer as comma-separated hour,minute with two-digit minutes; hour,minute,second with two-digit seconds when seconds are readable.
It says 2,48
